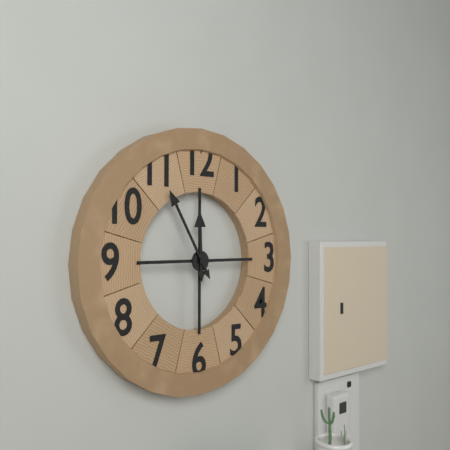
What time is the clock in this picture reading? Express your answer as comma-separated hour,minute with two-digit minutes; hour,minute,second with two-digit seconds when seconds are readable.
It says 11,55
